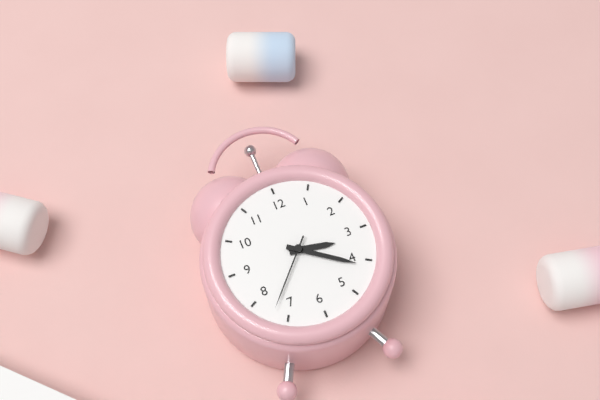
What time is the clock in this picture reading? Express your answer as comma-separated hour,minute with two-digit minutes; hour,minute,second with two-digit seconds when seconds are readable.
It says 3,21,37
